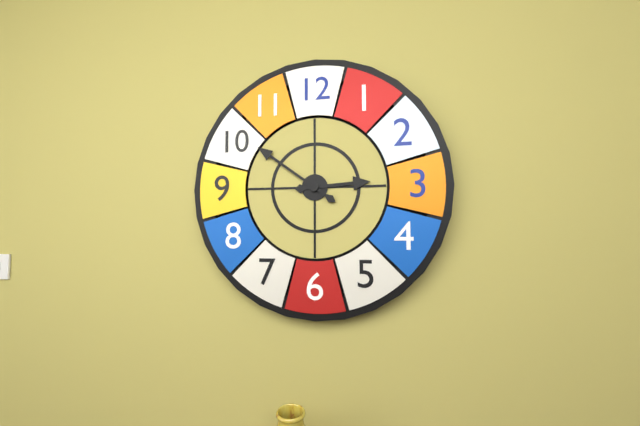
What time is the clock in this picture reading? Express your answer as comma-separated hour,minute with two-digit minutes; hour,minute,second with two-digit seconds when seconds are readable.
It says 2,51
